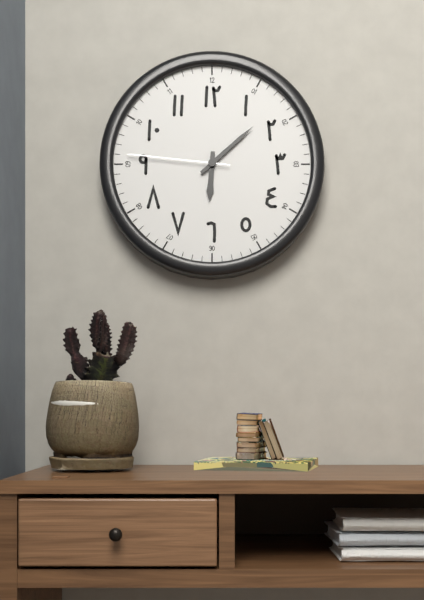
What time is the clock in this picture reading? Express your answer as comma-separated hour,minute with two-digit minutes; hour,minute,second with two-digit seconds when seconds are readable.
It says 6,08,46
